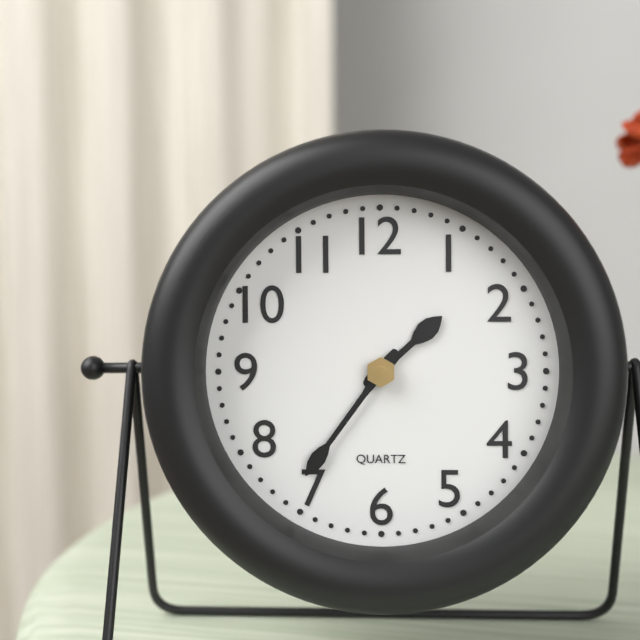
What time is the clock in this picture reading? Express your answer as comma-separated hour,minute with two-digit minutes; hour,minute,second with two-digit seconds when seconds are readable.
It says 1,36
